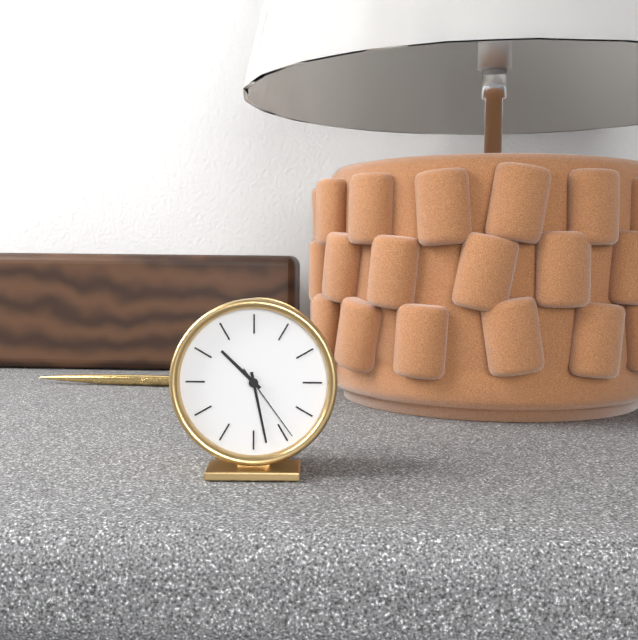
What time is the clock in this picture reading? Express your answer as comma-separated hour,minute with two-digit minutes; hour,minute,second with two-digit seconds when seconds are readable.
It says 10,28,24
